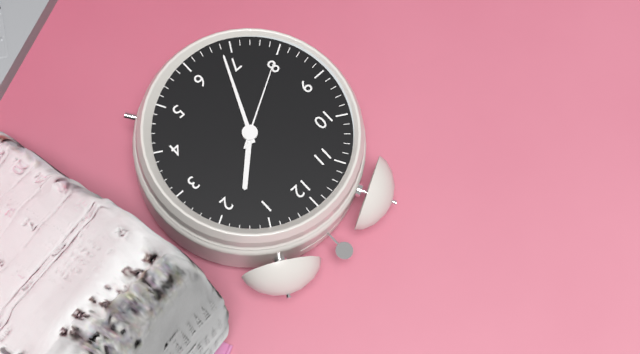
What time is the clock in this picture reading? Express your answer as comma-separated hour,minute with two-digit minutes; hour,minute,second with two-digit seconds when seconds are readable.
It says 1,34,40
